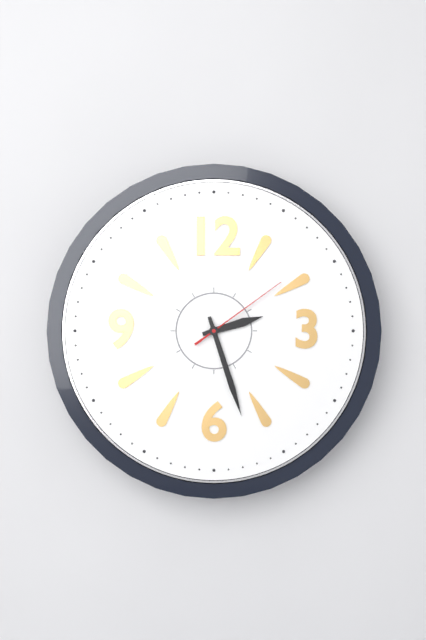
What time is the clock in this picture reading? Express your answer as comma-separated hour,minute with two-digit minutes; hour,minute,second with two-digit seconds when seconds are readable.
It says 2,27,09
